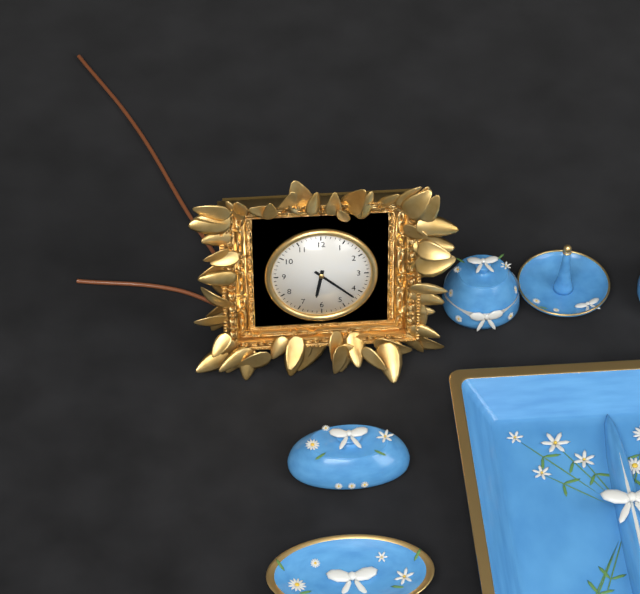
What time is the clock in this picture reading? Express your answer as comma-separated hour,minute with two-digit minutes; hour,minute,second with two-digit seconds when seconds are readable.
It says 6,22
